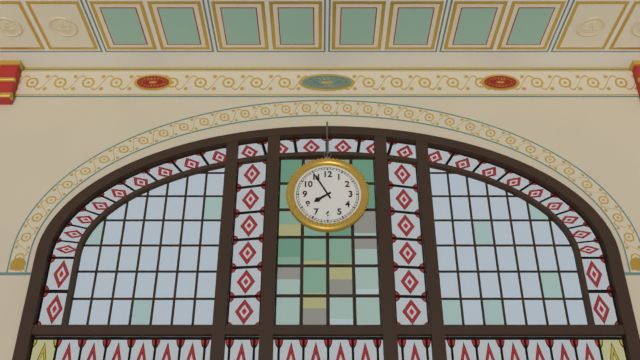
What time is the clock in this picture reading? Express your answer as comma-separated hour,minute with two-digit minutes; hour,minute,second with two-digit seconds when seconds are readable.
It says 7,55
